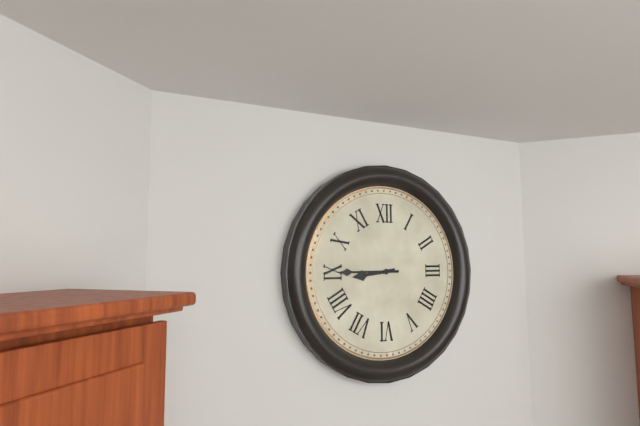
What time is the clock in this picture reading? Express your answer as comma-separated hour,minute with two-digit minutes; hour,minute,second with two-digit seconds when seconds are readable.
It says 8,45
